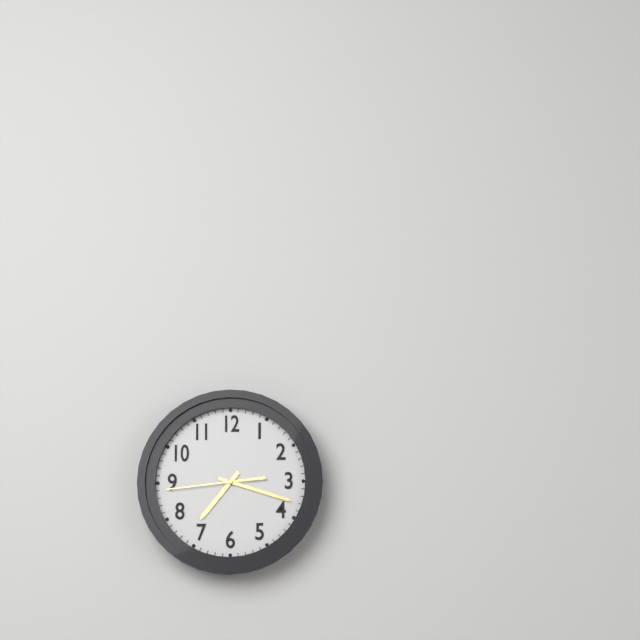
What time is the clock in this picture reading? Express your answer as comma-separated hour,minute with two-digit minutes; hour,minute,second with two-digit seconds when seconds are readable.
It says 7,18,44
